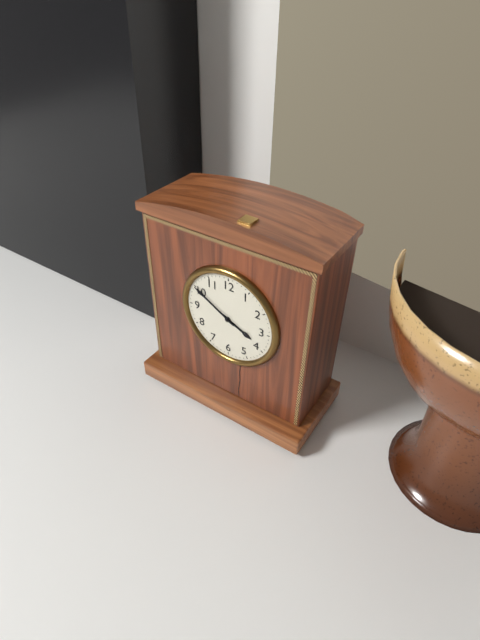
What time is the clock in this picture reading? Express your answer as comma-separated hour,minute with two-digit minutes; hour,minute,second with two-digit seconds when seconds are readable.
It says 3,50
